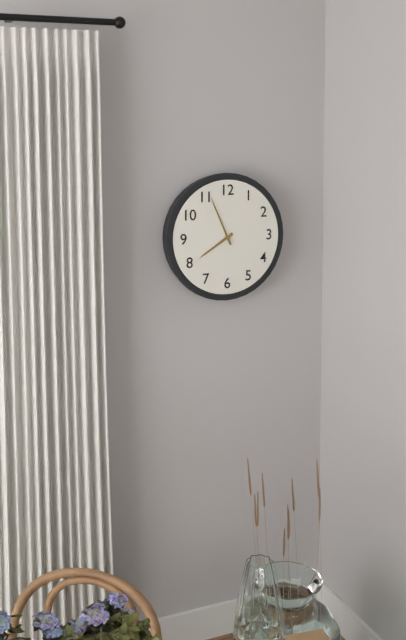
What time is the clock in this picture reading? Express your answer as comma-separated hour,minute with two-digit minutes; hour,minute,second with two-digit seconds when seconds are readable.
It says 7,56
